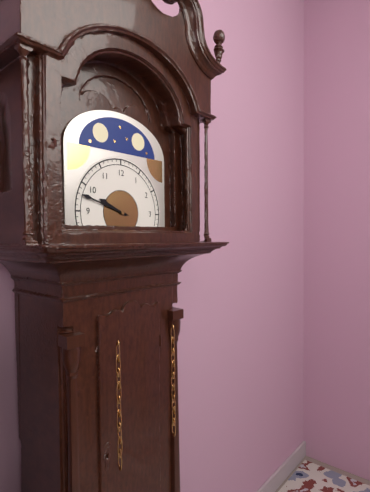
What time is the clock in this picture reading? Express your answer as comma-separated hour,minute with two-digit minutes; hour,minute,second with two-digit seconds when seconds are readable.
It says 9,48
